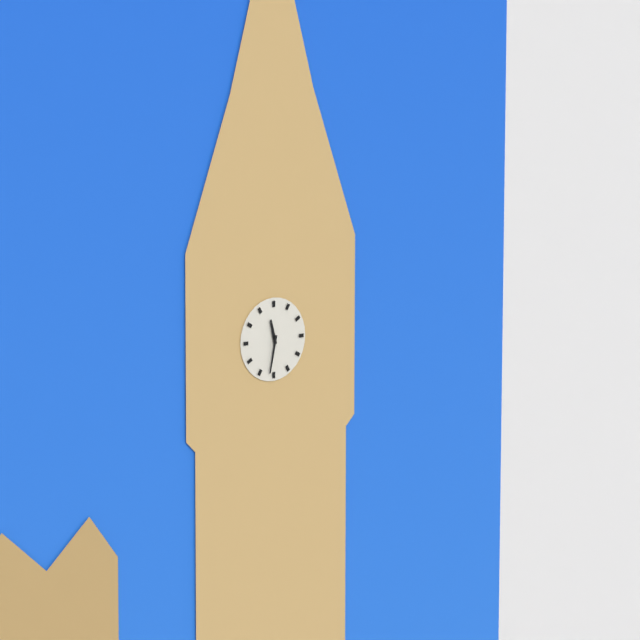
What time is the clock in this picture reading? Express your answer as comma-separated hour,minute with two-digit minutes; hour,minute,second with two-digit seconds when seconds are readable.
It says 11,32
